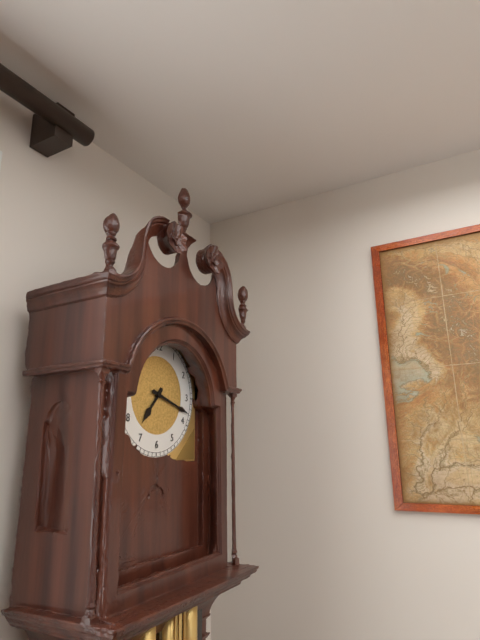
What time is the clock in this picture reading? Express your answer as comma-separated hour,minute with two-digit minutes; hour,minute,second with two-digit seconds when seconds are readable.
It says 7,18
